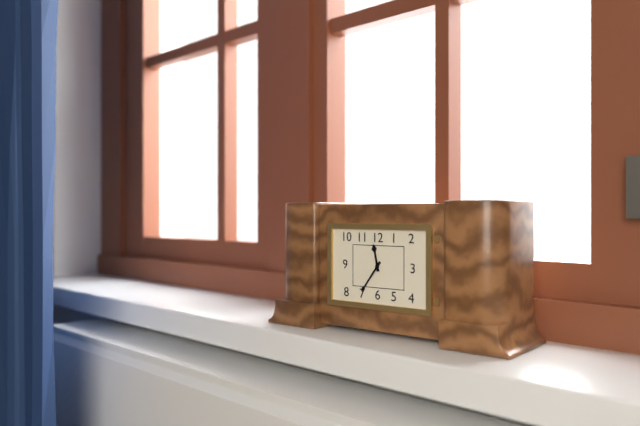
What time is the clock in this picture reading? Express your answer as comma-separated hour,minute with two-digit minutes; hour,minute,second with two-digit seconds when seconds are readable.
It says 11,36
